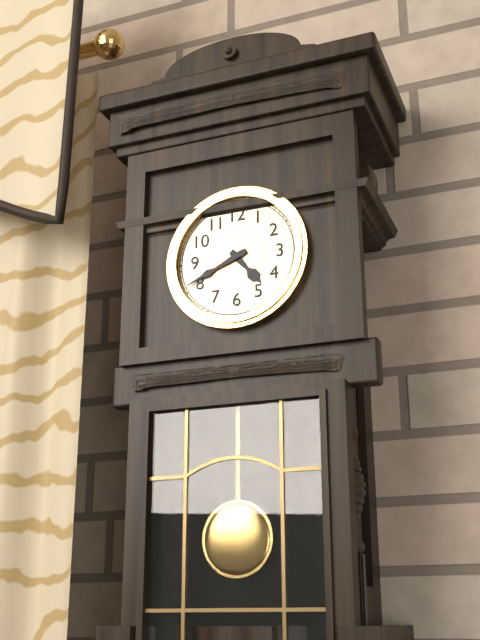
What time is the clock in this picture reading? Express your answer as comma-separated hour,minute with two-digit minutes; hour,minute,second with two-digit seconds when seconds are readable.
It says 4,41
